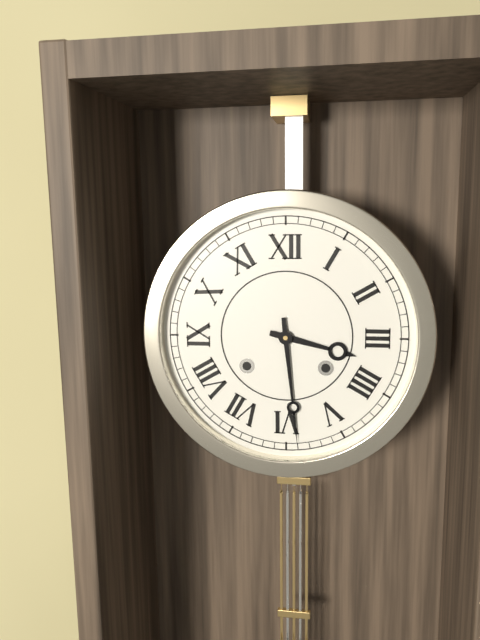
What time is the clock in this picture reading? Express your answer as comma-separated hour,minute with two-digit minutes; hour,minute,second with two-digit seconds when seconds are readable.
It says 3,29
